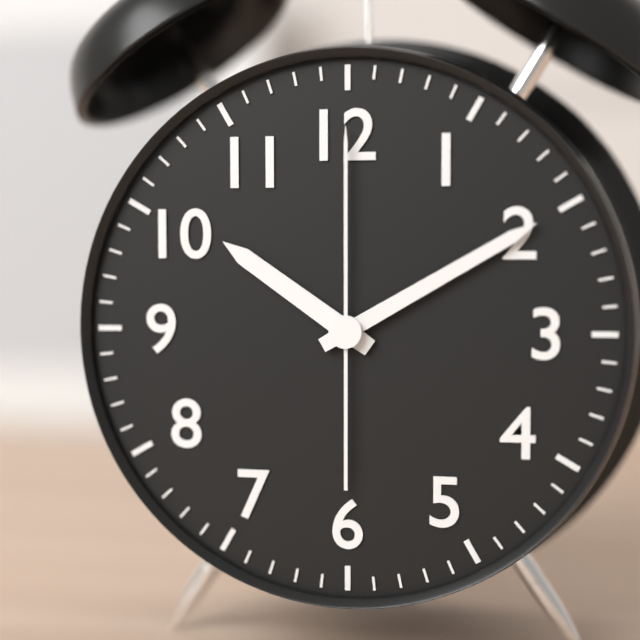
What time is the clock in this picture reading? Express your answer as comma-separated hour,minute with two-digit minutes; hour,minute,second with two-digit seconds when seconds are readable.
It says 10,10,00
